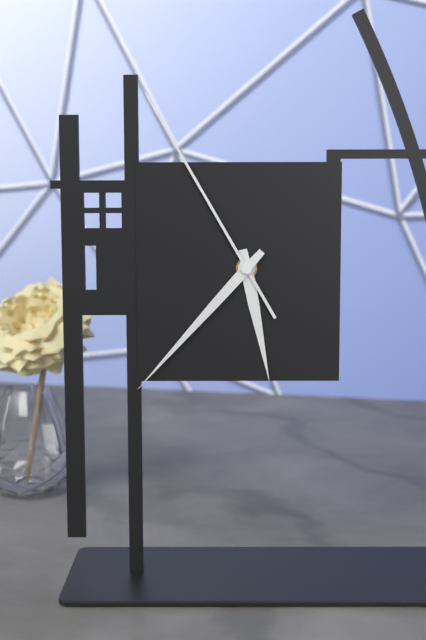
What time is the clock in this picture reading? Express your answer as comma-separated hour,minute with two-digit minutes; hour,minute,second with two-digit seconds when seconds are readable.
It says 5,37,55
